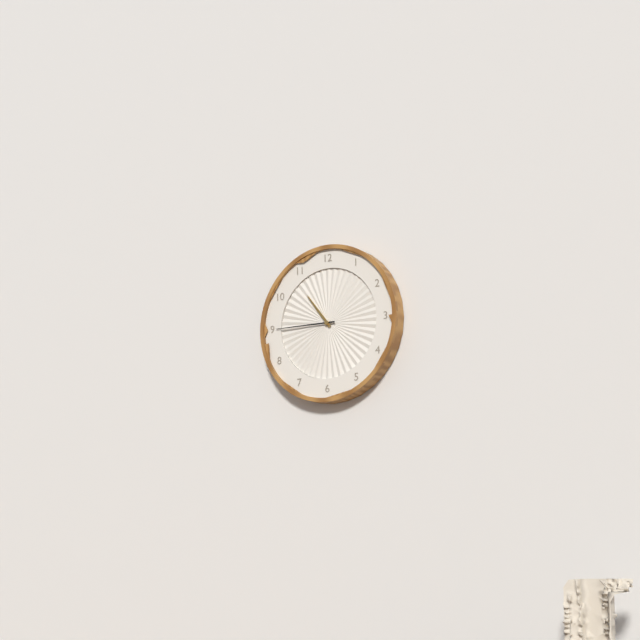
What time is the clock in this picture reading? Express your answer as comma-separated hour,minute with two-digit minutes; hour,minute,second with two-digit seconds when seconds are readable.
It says 10,45
